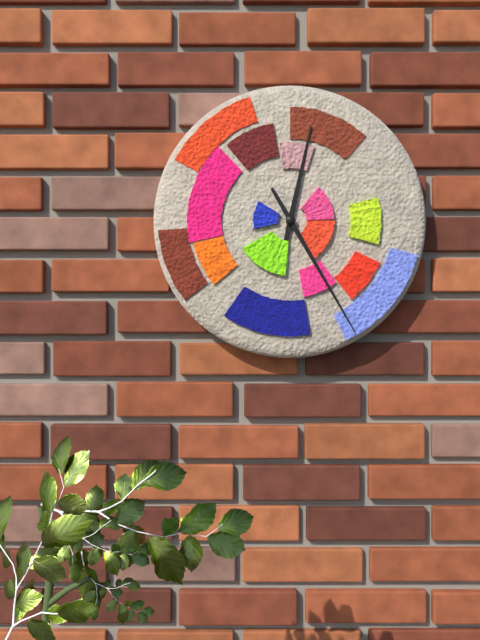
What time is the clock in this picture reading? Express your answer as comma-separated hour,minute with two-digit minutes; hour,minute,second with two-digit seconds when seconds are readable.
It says 12,25
